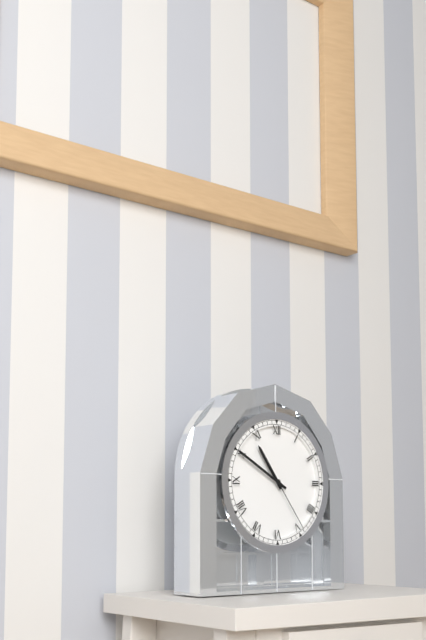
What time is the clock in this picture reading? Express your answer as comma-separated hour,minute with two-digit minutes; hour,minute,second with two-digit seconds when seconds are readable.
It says 10,50,24
